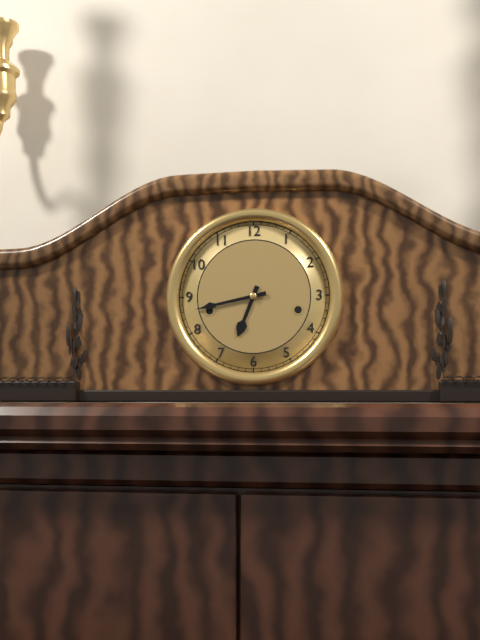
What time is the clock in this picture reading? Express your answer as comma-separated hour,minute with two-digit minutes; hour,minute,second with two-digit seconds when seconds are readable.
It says 6,43
